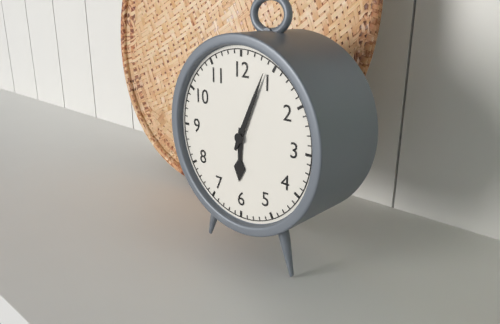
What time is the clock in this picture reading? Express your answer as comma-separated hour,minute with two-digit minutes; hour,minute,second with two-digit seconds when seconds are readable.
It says 6,04
